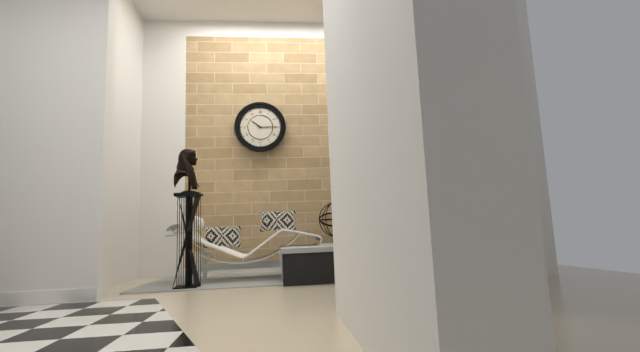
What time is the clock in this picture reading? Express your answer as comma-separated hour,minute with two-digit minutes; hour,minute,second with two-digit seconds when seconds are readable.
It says 10,15
